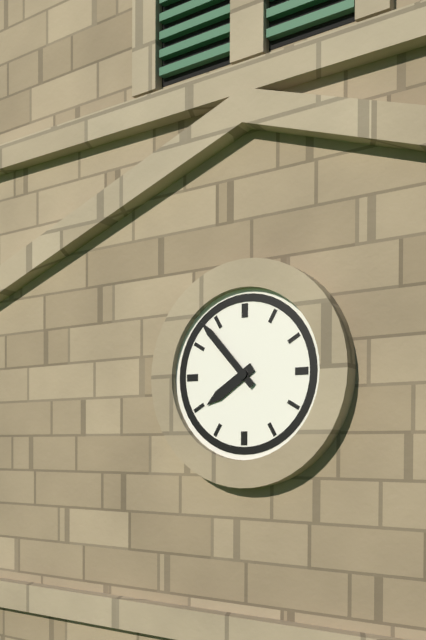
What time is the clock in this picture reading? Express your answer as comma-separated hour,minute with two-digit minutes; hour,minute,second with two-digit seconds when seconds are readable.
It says 7,53
